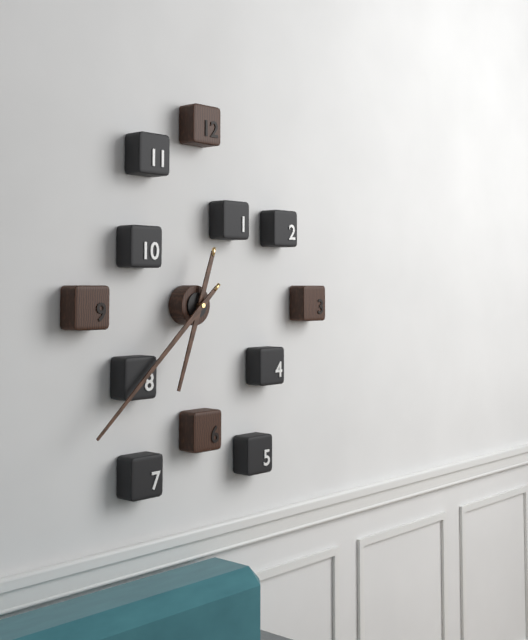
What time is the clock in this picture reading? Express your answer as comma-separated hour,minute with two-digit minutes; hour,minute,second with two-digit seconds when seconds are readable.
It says 6,38
